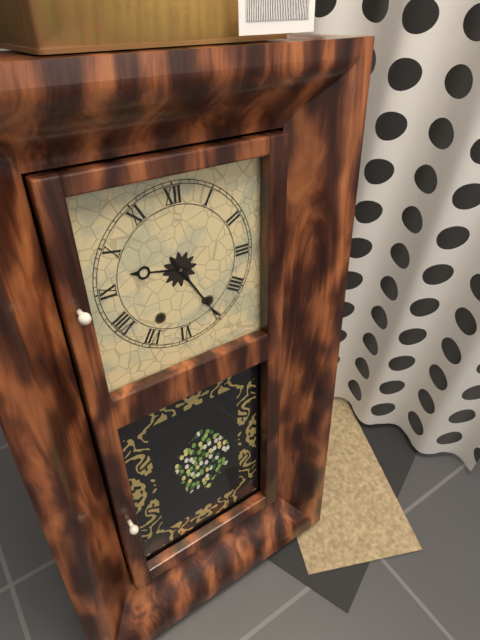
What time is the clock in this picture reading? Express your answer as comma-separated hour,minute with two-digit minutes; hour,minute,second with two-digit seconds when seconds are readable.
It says 9,25
